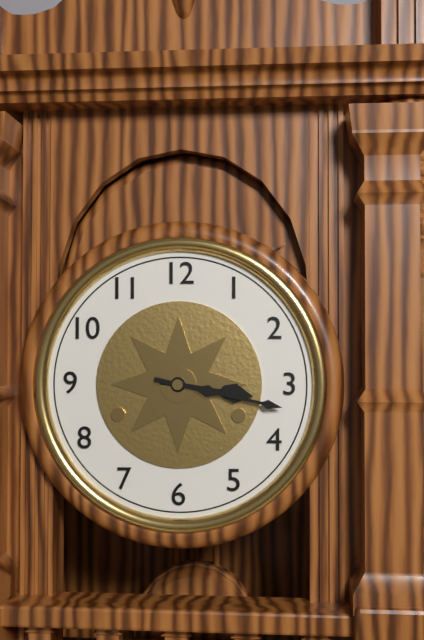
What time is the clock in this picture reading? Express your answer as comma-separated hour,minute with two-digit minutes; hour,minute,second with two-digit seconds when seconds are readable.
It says 3,17
